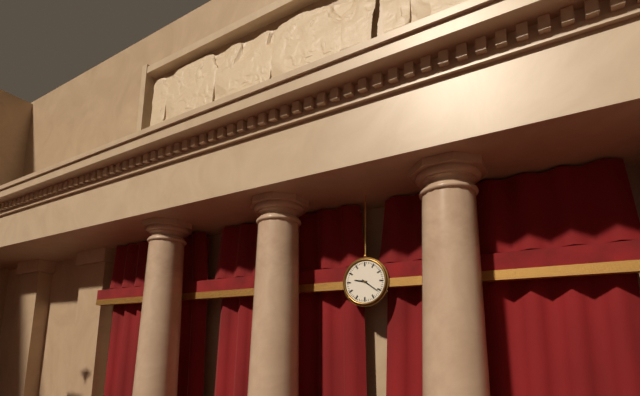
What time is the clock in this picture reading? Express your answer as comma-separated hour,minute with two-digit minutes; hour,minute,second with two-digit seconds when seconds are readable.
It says 9,21
